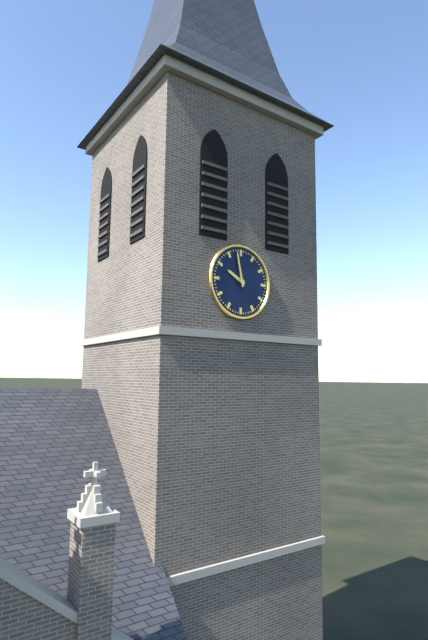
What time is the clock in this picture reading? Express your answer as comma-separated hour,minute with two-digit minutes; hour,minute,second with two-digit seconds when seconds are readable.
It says 9,58
